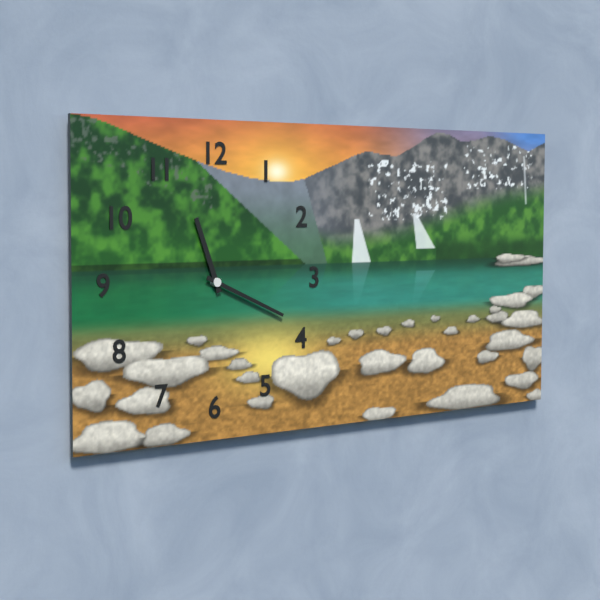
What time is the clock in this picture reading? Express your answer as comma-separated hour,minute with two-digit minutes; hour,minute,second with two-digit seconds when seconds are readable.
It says 11,19
